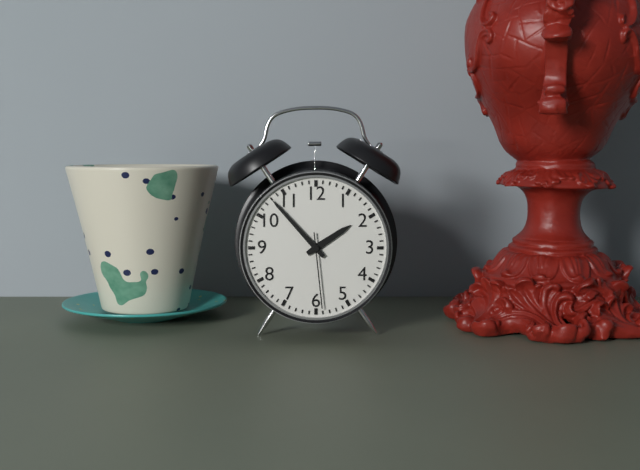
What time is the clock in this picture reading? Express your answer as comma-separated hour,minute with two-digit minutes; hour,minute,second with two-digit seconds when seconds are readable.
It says 1,53,29
